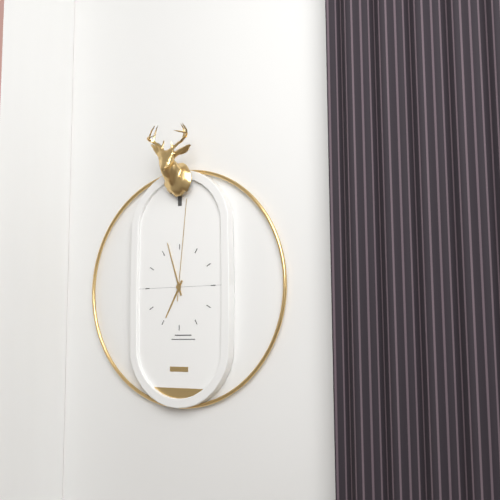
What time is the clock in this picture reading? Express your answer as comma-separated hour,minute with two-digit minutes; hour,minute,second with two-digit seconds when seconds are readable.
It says 6,57,01
